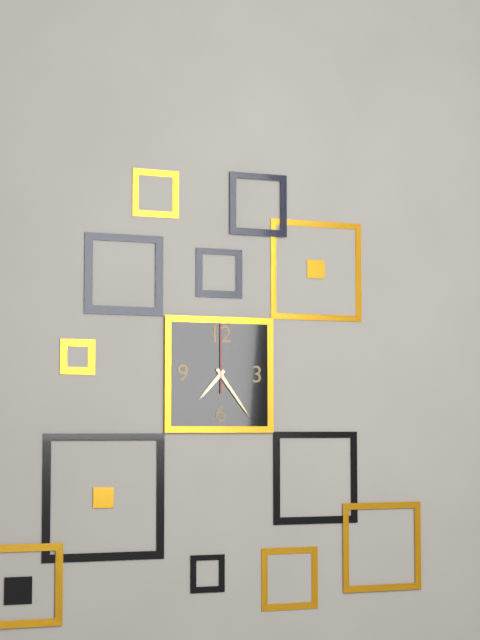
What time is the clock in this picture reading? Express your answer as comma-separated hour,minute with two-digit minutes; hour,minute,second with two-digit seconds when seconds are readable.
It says 7,24,00
